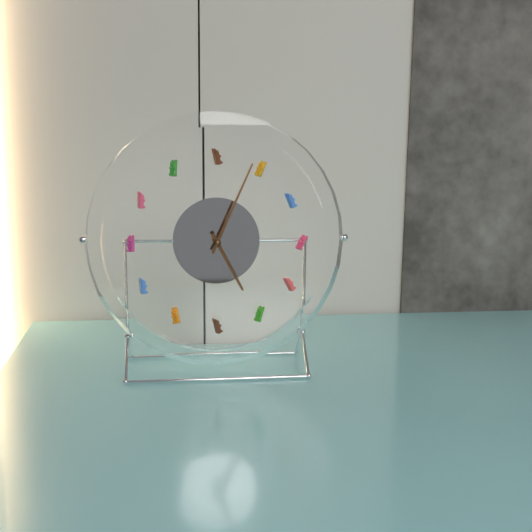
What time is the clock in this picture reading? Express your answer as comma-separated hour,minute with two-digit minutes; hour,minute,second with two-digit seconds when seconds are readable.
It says 5,04
